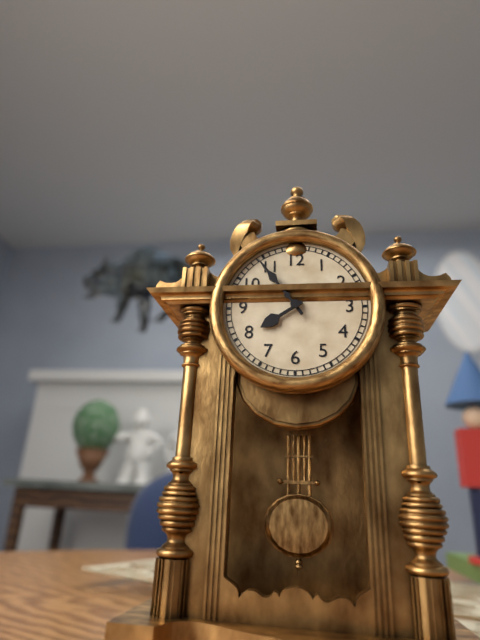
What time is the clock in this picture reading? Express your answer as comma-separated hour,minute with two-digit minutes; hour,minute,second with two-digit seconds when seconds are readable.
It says 7,54
